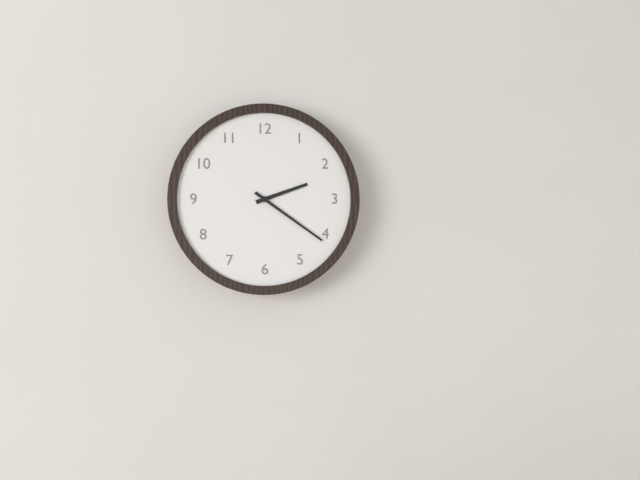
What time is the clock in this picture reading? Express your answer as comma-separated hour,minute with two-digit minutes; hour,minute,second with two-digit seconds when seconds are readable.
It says 2,21
